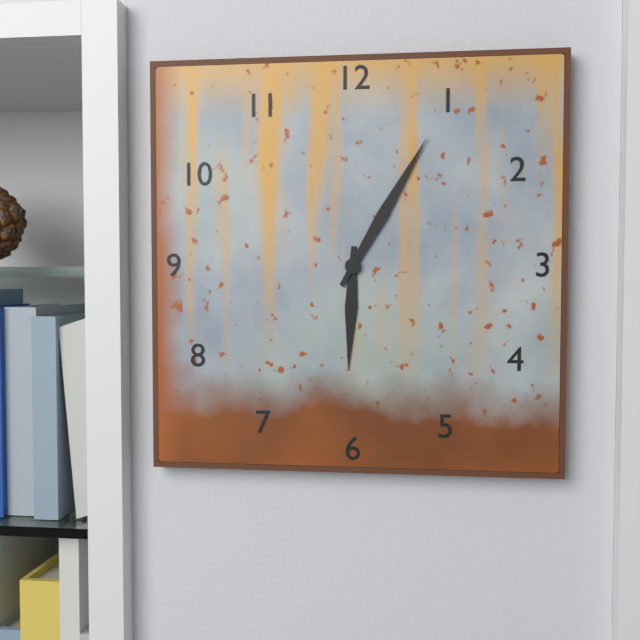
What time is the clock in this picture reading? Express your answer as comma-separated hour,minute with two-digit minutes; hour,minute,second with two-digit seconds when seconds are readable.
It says 6,05
